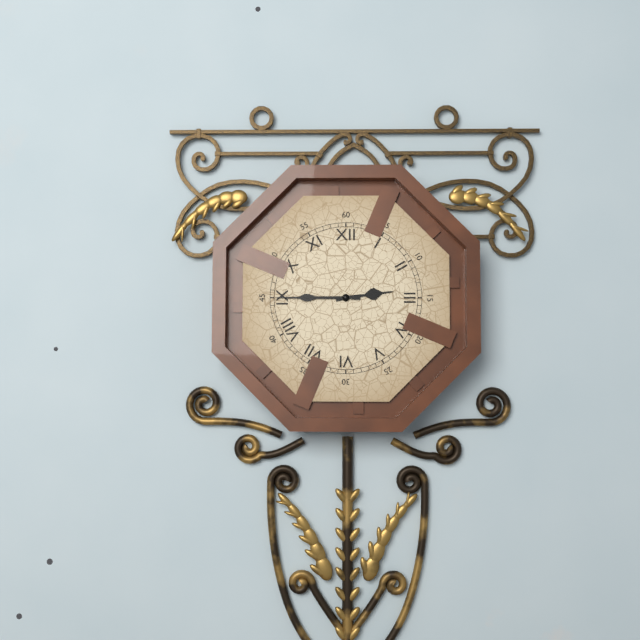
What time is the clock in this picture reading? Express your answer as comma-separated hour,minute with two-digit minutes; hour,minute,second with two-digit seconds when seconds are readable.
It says 2,45
